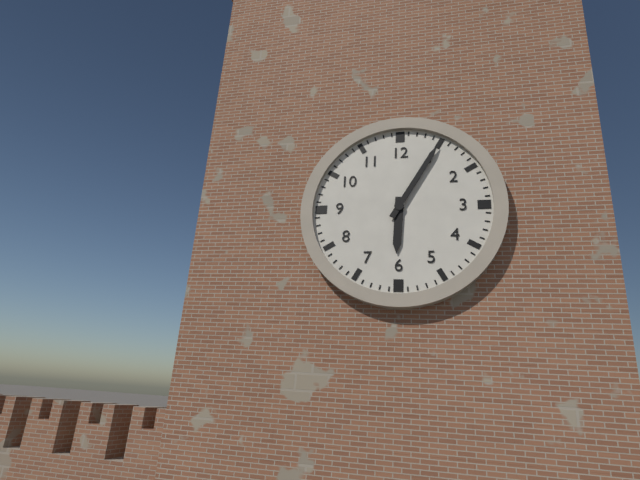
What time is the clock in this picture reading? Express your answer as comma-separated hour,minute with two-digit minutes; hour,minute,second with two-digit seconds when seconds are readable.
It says 6,05
